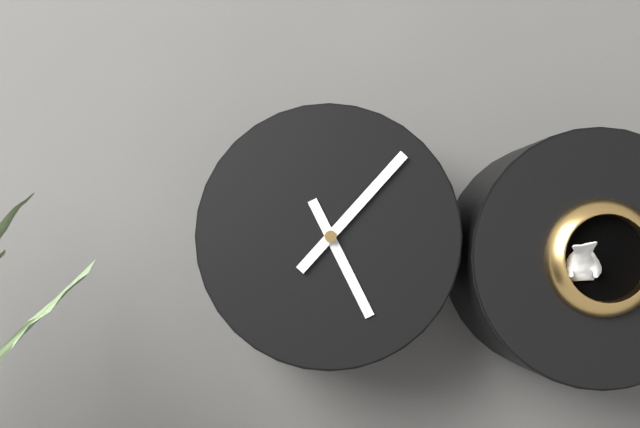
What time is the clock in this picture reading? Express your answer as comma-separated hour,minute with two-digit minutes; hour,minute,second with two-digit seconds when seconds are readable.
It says 5,07
